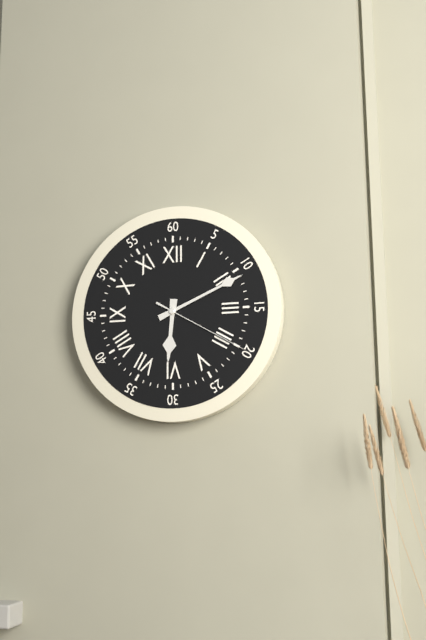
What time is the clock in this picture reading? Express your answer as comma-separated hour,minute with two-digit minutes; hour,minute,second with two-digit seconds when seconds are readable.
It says 6,11,20
